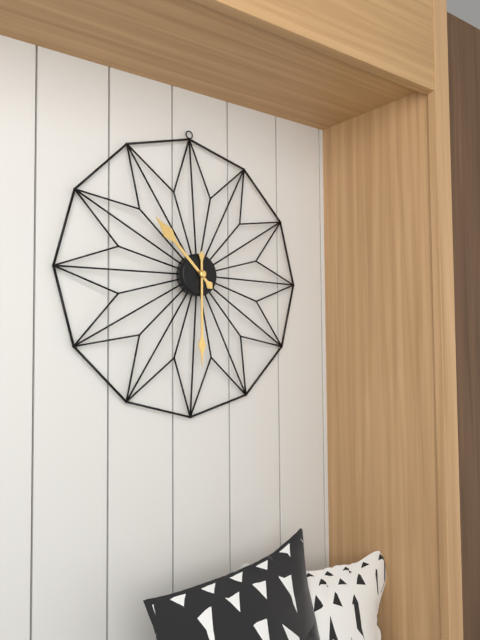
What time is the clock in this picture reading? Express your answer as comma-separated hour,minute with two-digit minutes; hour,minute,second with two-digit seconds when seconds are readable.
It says 10,30
